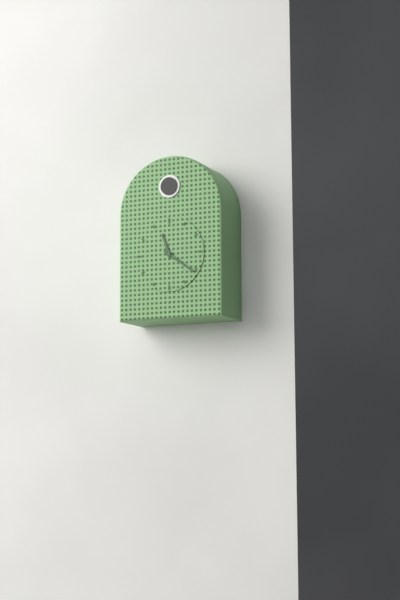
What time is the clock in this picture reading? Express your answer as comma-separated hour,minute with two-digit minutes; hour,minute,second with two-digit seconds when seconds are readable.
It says 11,21
